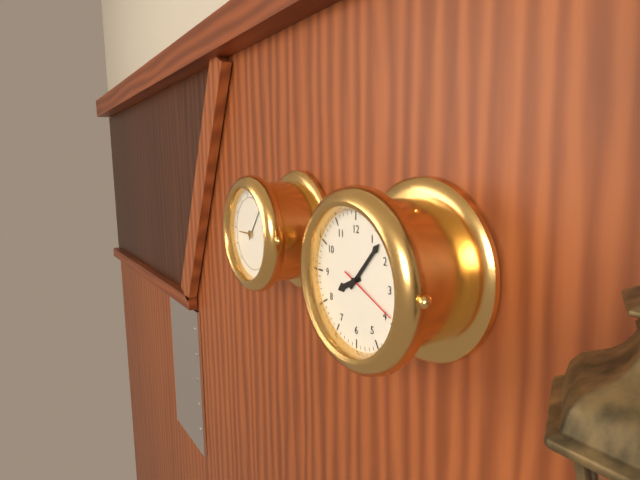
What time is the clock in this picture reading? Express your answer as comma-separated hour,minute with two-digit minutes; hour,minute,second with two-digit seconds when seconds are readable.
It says 8,07,19
